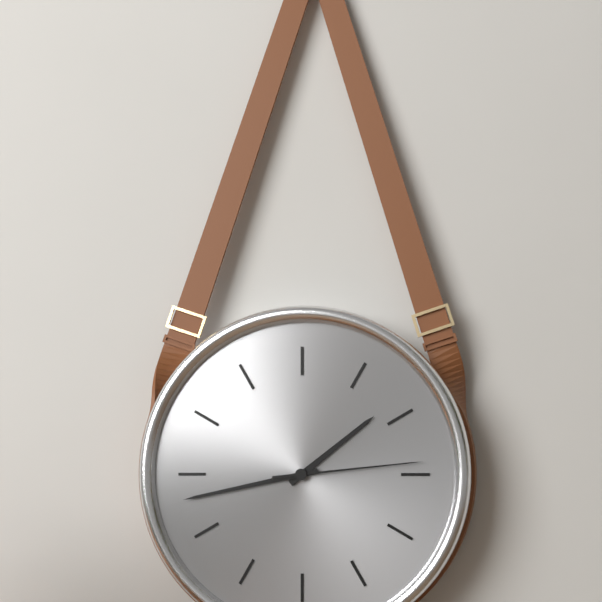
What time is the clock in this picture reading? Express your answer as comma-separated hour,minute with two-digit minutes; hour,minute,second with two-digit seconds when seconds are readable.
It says 1,43,14
